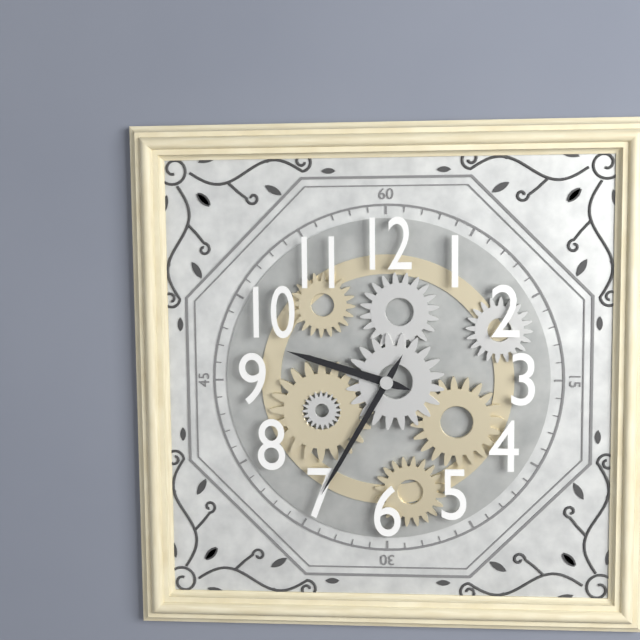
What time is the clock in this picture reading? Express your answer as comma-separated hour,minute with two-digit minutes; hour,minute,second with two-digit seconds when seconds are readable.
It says 9,35
